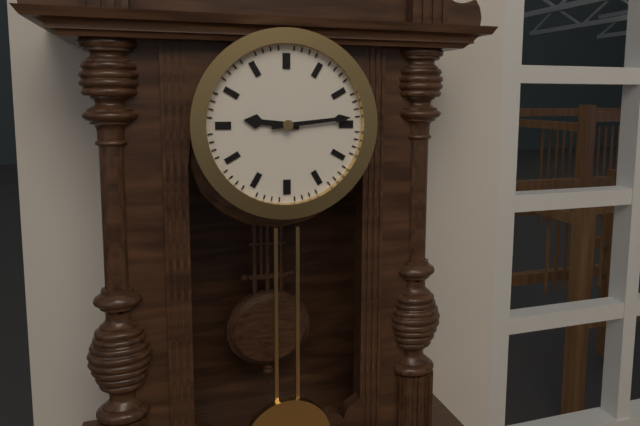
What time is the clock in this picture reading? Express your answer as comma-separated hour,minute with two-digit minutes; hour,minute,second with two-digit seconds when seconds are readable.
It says 9,14
